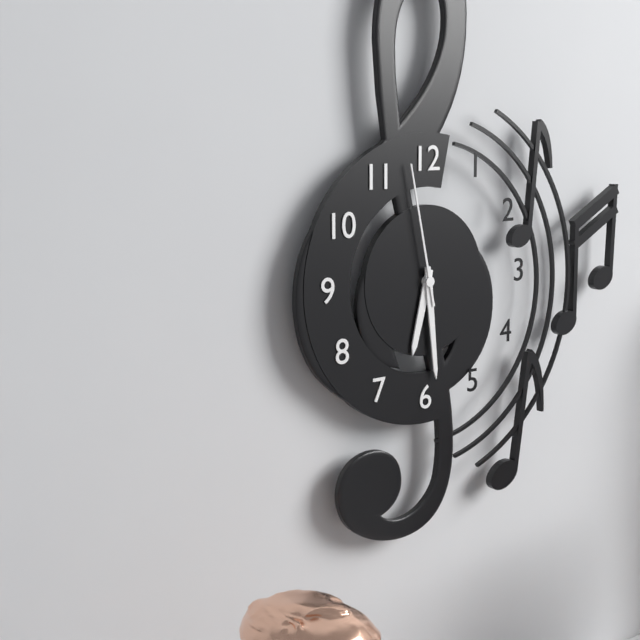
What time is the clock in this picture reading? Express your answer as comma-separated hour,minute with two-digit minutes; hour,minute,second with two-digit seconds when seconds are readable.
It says 6,29,58
